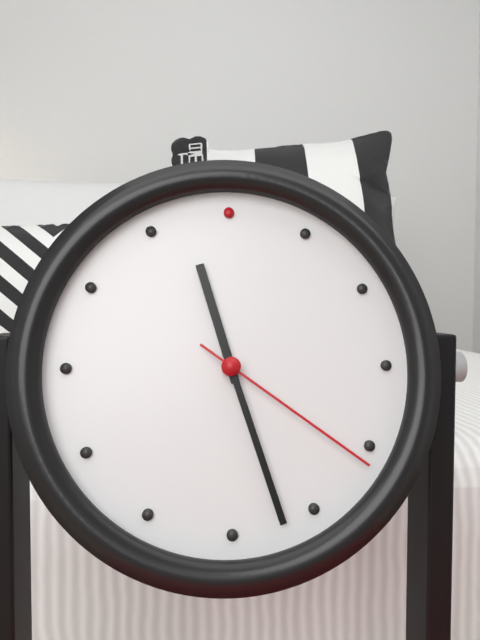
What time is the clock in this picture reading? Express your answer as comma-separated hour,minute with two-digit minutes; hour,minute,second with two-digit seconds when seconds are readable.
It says 11,27,21
